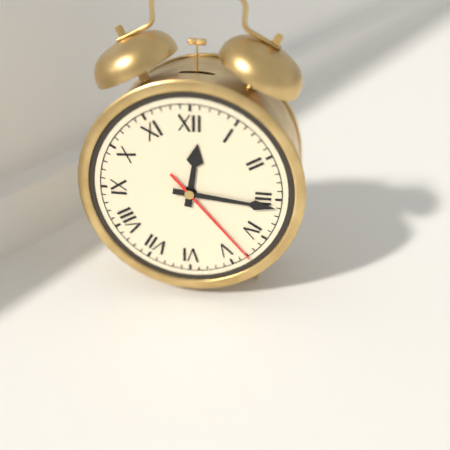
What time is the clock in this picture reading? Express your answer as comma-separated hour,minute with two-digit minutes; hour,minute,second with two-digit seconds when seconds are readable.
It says 12,16,23
